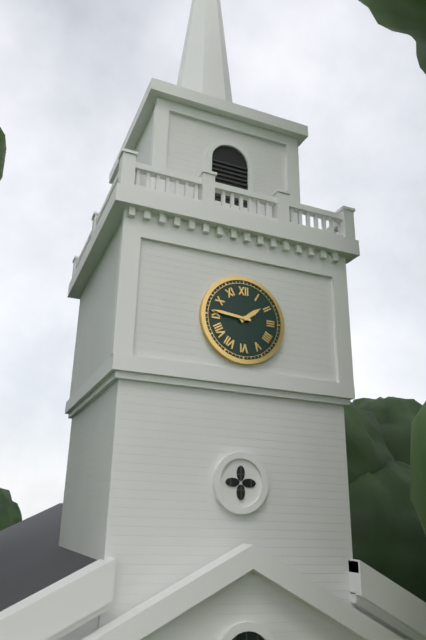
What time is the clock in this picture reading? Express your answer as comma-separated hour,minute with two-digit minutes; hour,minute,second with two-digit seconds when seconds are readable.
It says 1,46
